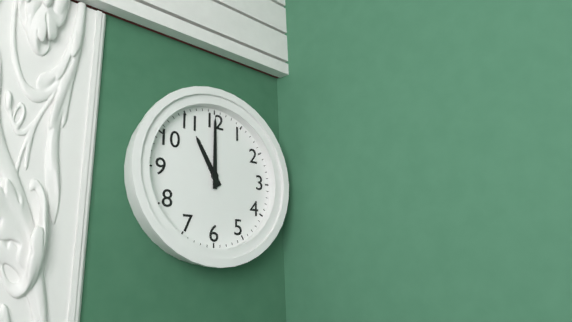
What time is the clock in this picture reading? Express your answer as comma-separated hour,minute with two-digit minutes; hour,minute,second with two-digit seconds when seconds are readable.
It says 11,00
